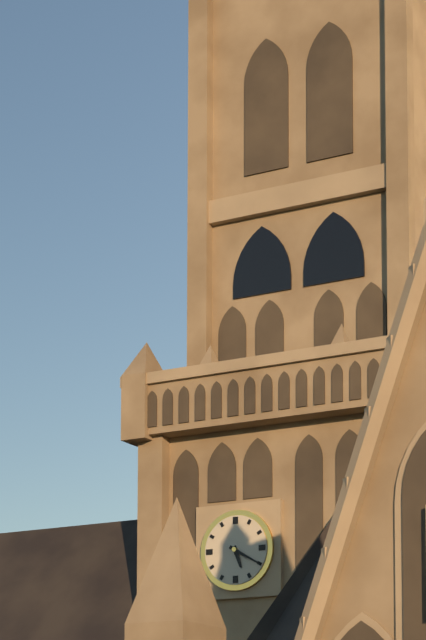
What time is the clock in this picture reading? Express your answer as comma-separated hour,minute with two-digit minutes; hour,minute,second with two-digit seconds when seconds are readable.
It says 5,20
